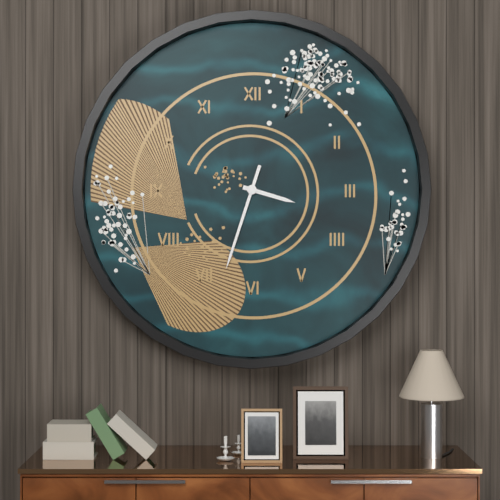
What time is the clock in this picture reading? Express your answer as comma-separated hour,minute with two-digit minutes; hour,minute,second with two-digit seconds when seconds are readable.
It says 3,33
